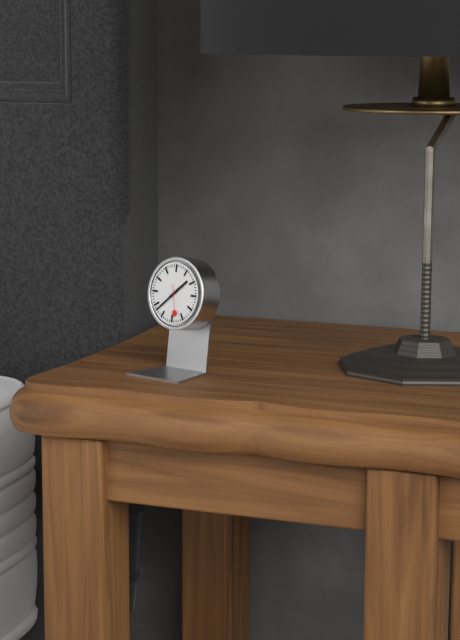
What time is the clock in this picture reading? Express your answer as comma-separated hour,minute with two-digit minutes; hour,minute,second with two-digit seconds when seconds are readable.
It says 1,38
